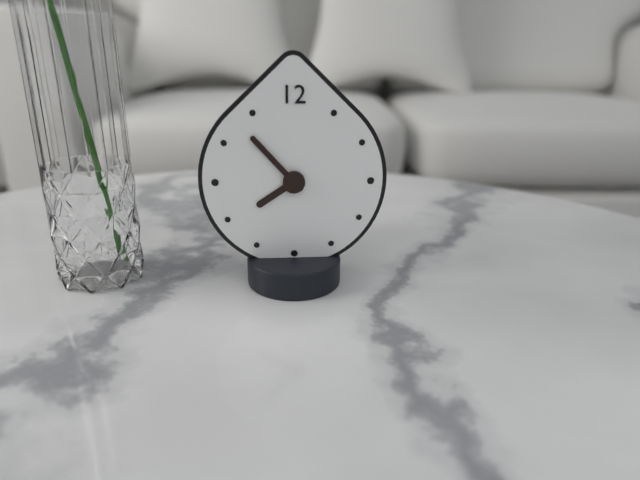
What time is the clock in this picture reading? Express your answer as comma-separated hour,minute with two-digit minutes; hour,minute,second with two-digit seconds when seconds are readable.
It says 7,53
